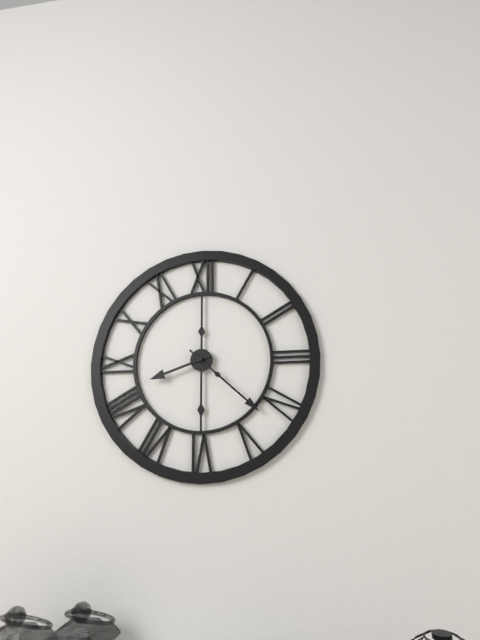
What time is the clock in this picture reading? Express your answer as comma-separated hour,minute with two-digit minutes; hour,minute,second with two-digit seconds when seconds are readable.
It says 8,22
